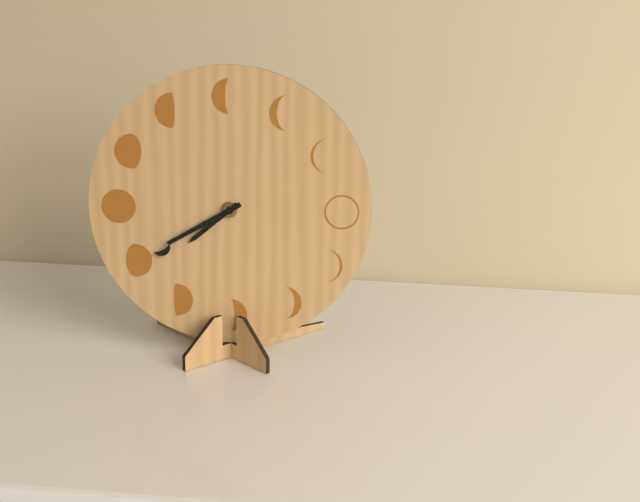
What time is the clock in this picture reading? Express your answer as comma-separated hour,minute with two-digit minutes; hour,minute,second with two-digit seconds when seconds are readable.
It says 7,40
